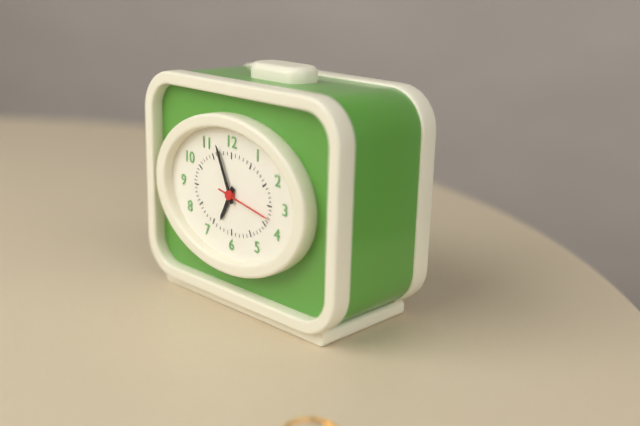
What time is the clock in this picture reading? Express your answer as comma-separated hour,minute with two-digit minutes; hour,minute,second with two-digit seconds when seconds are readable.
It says 6,56,17
